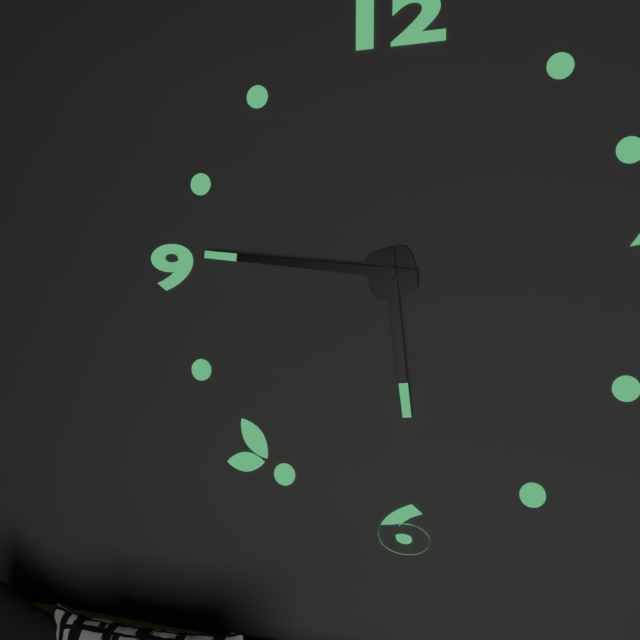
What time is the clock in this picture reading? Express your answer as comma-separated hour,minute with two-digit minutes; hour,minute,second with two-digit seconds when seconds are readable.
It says 5,46
